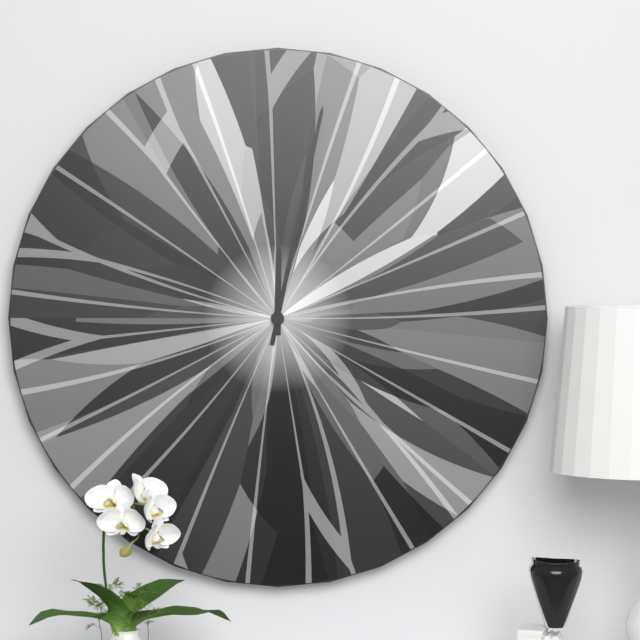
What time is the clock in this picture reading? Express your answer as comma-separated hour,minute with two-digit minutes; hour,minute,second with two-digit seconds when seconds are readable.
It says 12,02
